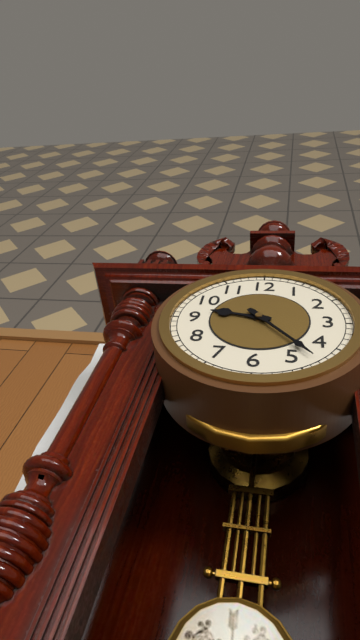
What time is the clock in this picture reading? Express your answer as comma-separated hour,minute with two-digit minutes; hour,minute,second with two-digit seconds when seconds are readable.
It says 9,23
